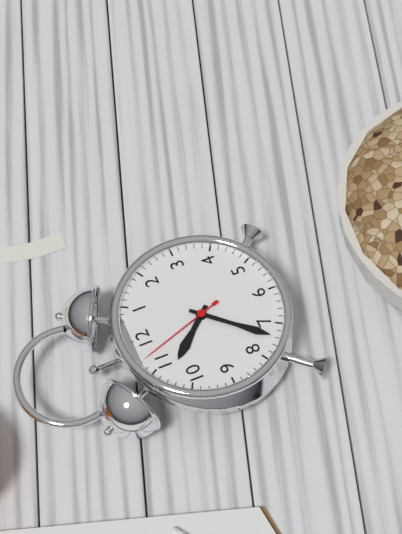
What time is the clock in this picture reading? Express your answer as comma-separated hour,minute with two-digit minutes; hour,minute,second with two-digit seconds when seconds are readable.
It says 10,37,57
